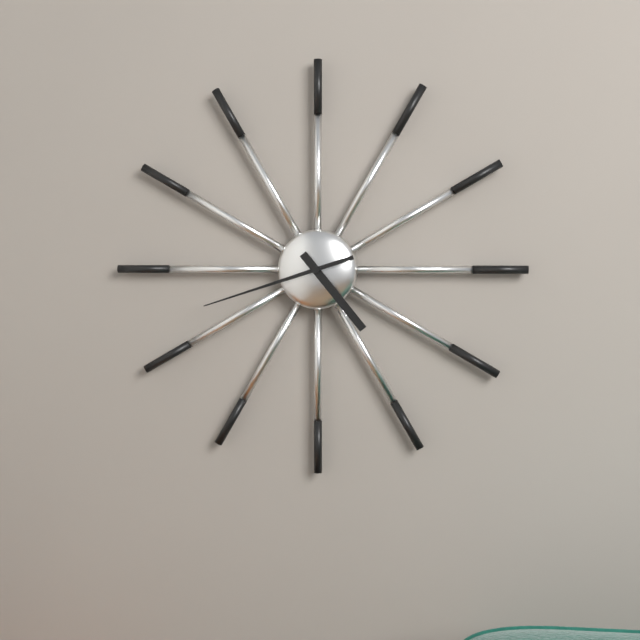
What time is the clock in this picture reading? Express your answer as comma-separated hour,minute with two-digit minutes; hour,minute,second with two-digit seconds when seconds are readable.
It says 4,42
